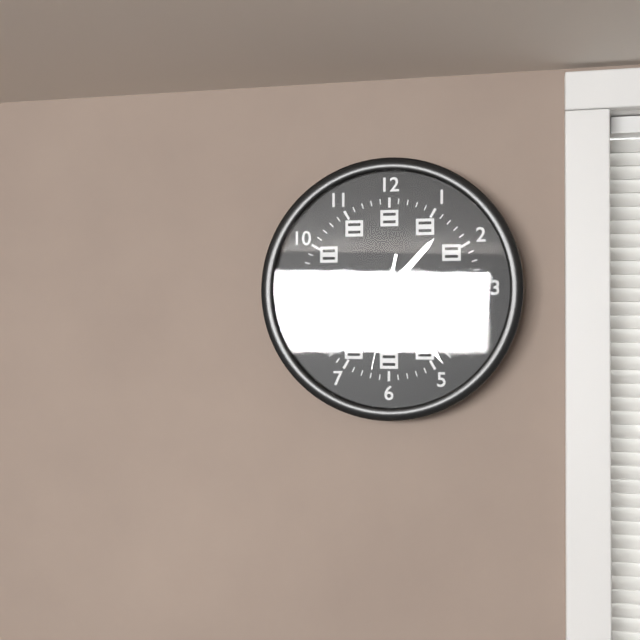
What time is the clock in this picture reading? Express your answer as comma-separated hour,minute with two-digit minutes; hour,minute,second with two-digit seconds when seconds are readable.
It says 1,24,32
